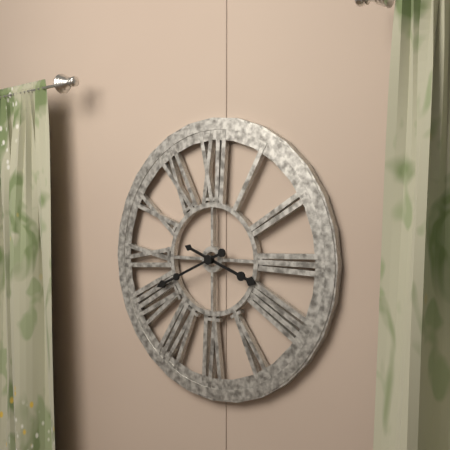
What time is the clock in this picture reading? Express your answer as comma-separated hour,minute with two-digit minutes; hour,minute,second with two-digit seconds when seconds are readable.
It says 3,41
